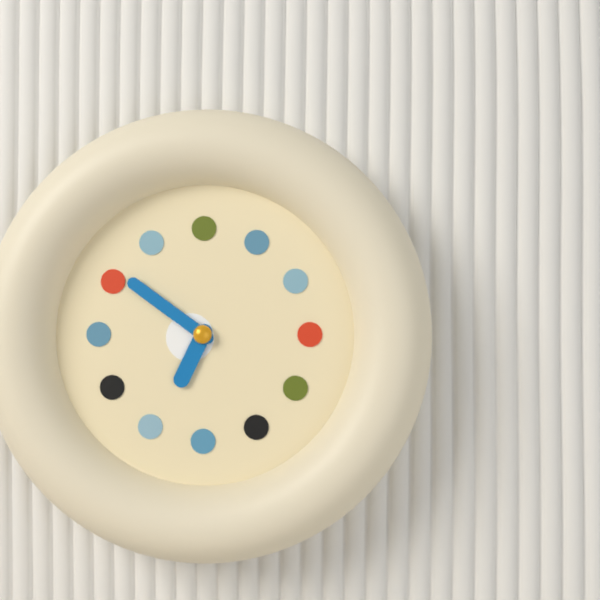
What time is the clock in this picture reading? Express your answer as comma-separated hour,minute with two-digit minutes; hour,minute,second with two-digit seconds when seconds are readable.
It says 6,51
